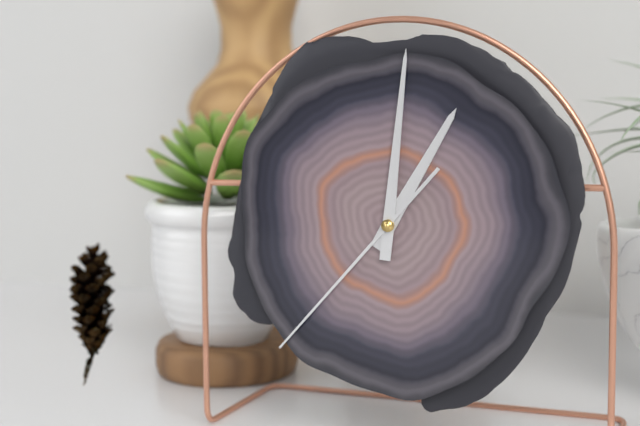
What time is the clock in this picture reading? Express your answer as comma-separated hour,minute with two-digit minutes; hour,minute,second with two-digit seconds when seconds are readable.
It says 1,01,37
